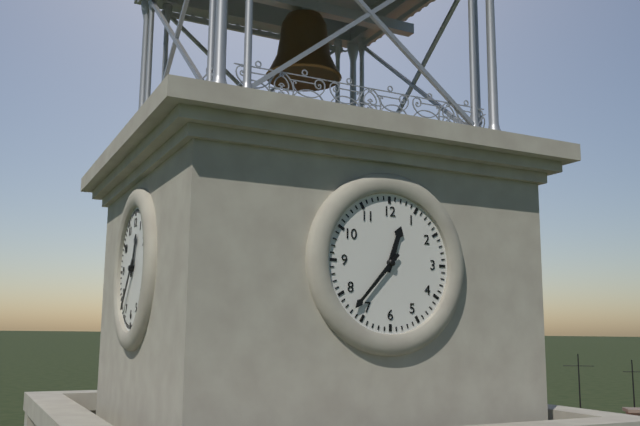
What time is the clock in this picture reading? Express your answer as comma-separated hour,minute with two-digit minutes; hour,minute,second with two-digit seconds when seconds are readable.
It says 12,37
